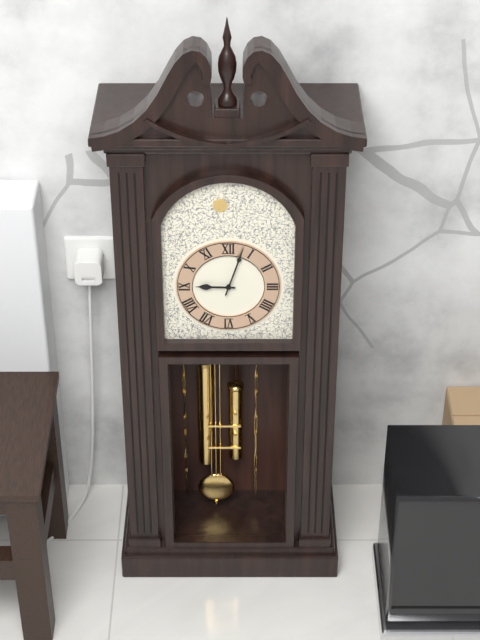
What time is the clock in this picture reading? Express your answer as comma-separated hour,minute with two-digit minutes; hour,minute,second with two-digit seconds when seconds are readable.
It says 9,03
